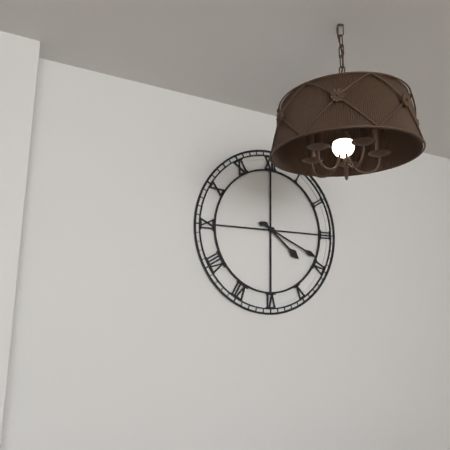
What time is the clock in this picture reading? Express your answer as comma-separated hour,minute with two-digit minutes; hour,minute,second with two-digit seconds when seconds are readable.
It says 4,19
